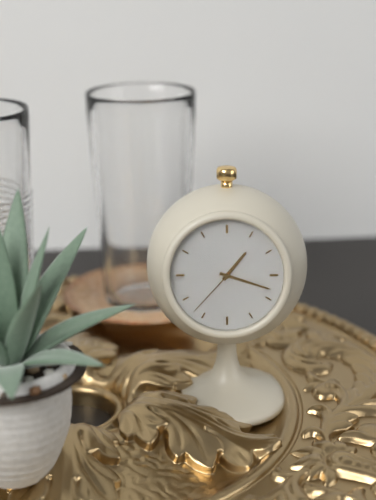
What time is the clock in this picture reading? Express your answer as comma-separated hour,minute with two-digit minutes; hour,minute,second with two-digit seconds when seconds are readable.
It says 1,18,37
